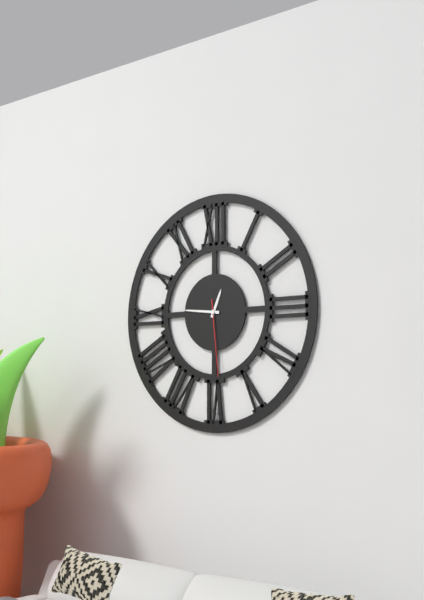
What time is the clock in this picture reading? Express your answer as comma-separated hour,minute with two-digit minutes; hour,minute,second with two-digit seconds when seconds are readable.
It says 12,46,29
